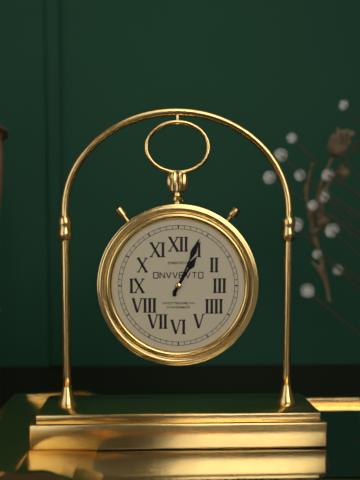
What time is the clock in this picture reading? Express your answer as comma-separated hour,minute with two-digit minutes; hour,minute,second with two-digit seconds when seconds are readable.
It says 1,04
